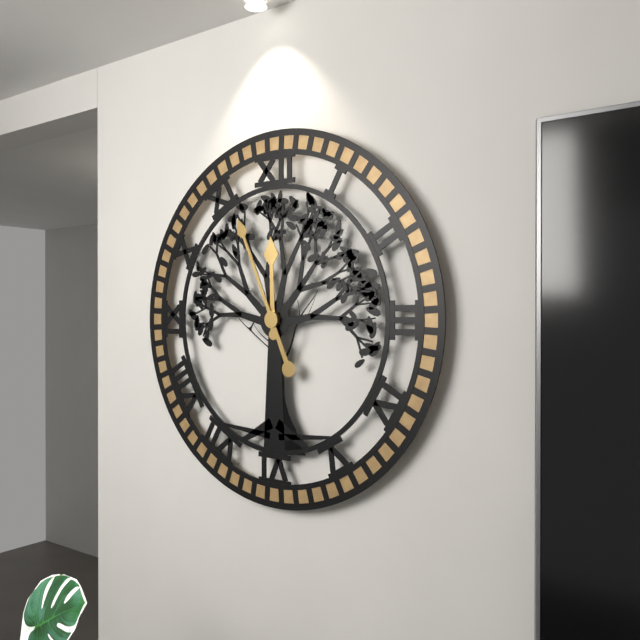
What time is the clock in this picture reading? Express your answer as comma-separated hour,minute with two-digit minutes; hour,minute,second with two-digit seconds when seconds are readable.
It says 11,56
